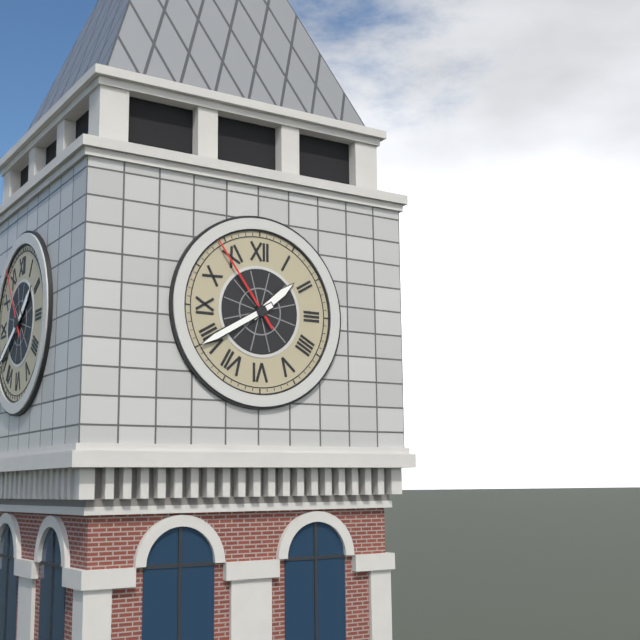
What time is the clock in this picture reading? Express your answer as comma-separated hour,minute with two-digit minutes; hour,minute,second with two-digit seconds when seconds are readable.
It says 1,40,54
